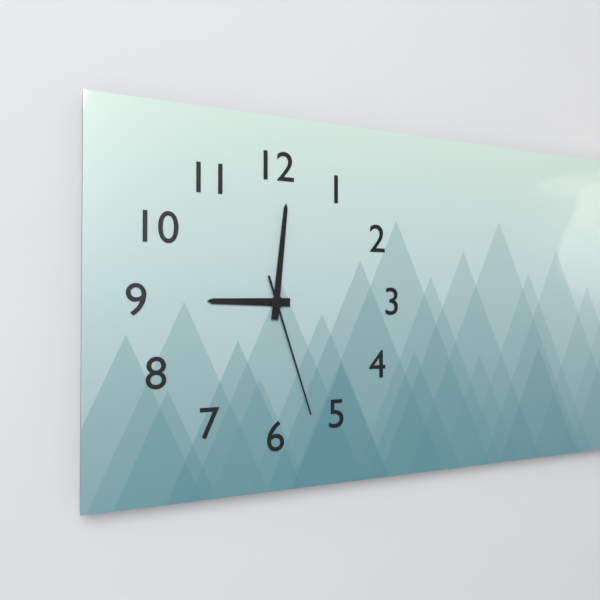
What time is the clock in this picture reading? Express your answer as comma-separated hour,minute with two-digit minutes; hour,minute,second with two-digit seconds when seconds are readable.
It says 9,01,27
